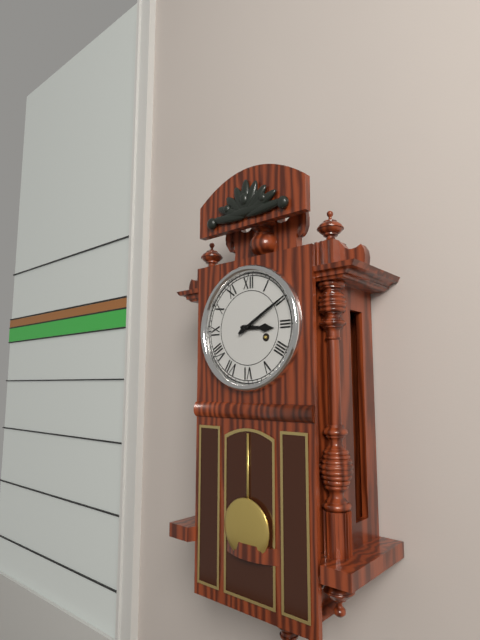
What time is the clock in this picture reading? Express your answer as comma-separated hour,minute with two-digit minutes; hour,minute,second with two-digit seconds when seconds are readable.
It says 3,10
